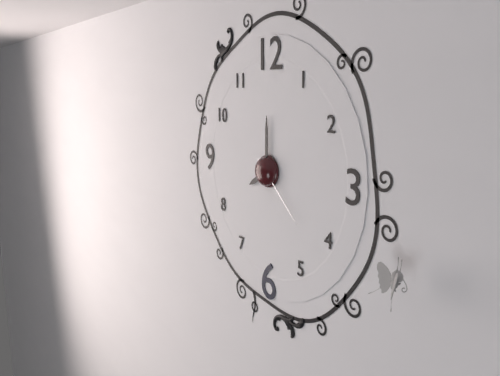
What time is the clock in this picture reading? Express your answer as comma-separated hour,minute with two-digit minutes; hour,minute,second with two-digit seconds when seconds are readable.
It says 8,00,22
